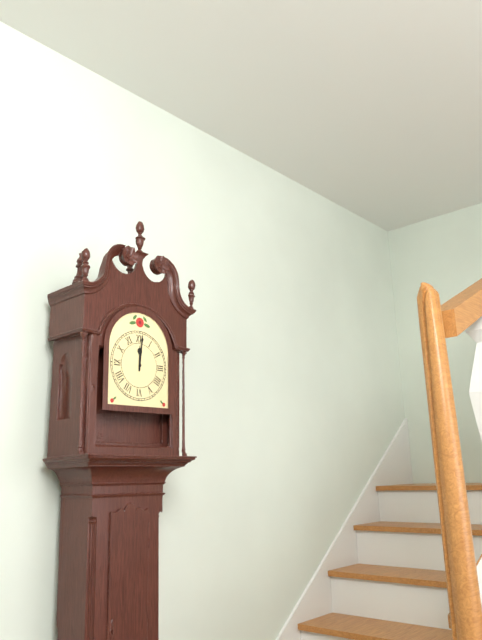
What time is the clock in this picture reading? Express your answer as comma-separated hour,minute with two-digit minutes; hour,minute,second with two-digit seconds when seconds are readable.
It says 12,01
